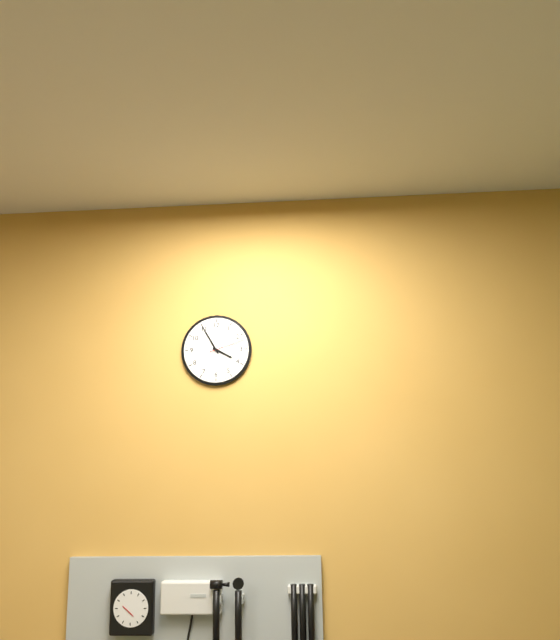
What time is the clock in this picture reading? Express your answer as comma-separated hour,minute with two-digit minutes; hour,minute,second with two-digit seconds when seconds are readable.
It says 3,55
